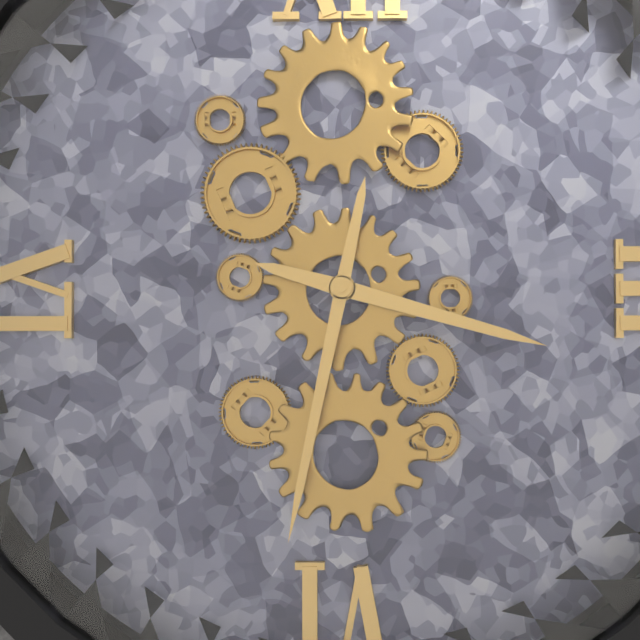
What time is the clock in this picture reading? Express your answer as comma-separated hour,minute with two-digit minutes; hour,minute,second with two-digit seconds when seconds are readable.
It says 3,32
